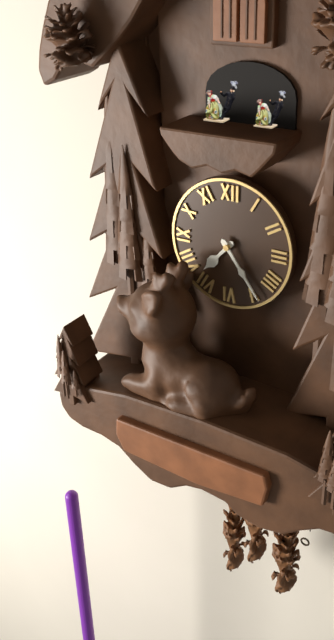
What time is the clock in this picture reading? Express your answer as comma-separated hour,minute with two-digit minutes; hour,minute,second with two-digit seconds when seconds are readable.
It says 7,24
